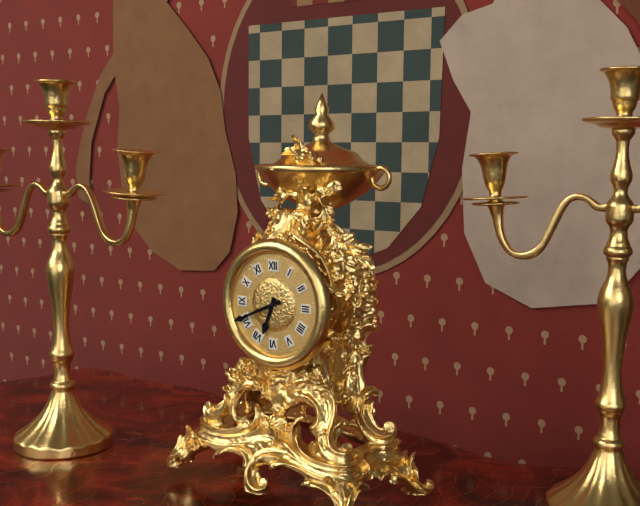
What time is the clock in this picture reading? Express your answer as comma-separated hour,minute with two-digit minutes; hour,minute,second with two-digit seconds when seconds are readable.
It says 6,41
